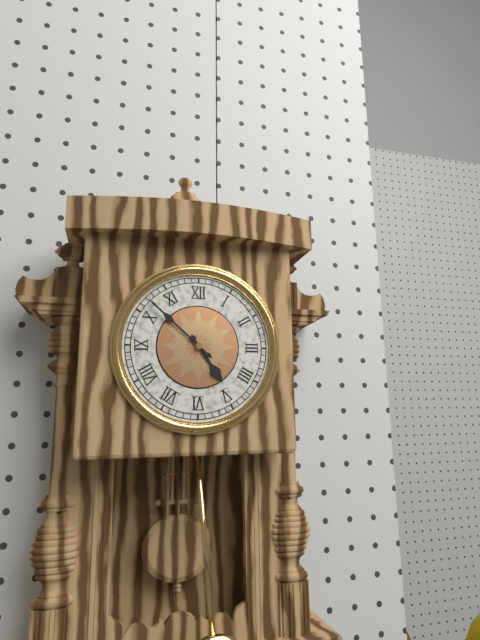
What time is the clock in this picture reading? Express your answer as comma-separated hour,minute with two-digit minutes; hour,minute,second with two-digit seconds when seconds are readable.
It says 4,52
